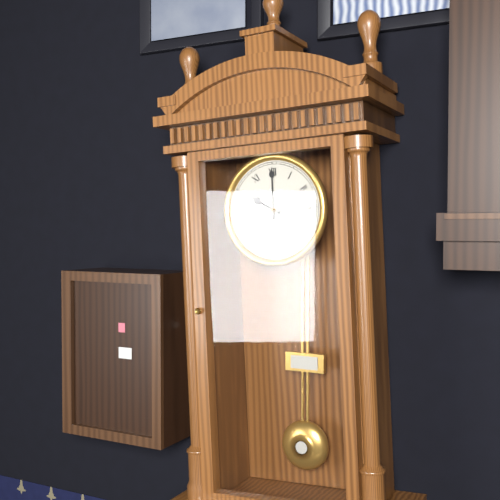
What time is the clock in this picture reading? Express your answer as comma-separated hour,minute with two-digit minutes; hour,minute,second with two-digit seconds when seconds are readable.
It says 10,00
